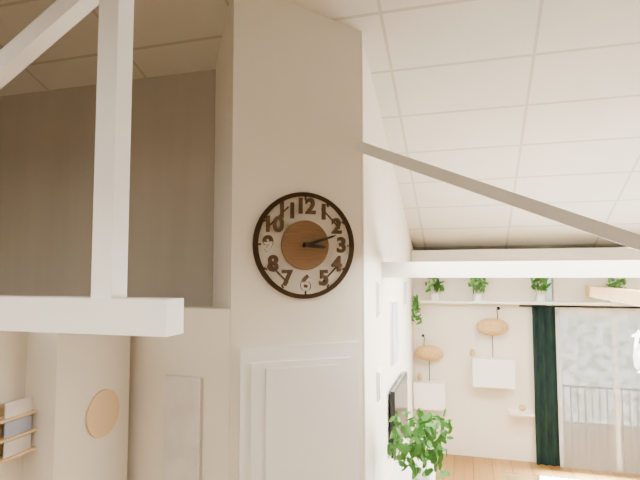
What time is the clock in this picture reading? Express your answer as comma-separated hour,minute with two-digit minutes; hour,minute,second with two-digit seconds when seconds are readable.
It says 3,12
